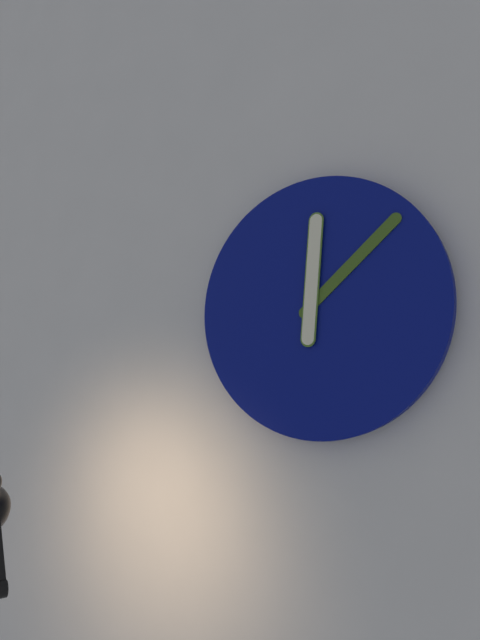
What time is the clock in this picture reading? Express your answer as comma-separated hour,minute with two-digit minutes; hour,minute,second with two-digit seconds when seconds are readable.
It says 12,08
